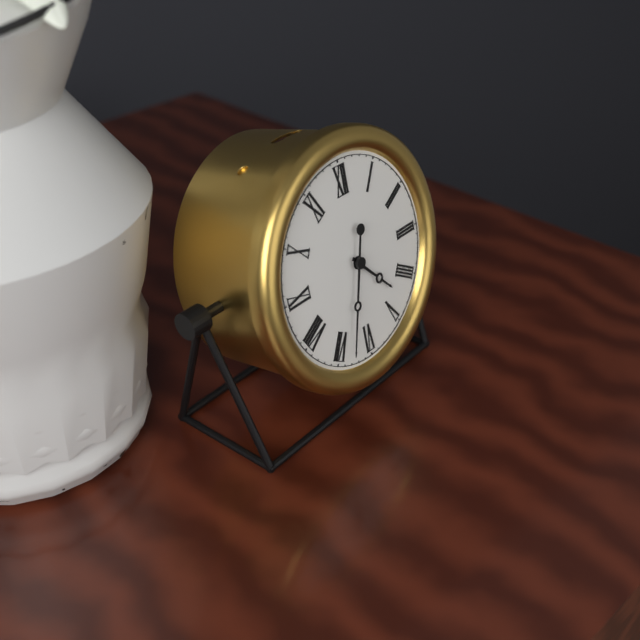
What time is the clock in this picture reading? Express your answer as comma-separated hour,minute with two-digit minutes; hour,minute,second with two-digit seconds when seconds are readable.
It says 4,33
